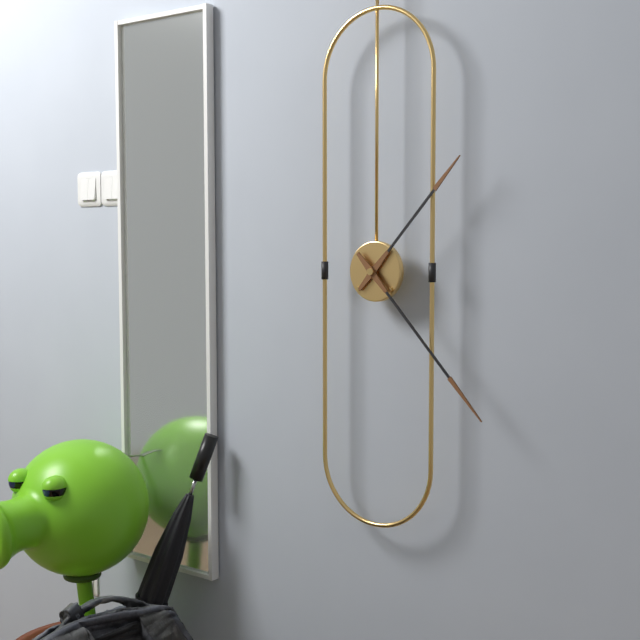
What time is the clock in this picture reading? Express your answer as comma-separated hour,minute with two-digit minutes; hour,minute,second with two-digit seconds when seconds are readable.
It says 1,23
